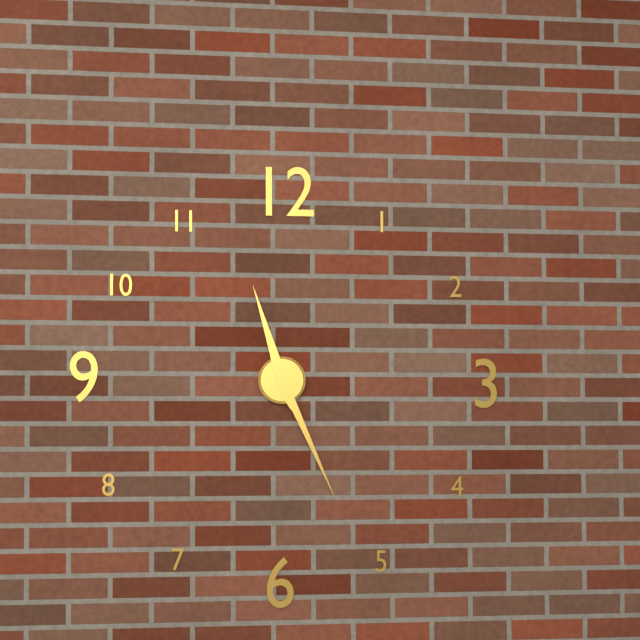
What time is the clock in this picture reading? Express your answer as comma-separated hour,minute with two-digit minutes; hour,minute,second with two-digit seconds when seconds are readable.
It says 11,26
